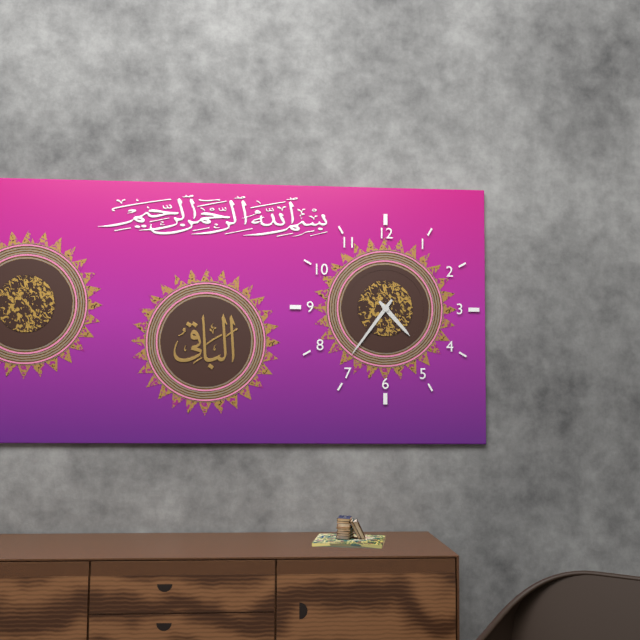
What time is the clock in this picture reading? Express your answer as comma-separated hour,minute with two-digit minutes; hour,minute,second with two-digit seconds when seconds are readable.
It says 4,36
